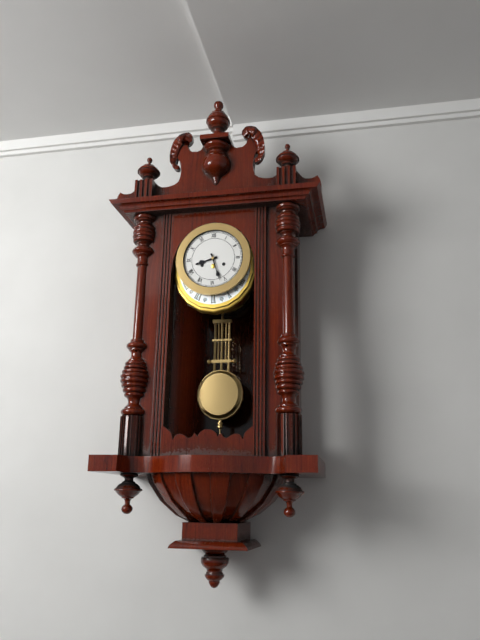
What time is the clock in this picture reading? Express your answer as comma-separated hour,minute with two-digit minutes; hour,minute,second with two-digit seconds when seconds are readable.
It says 8,27
